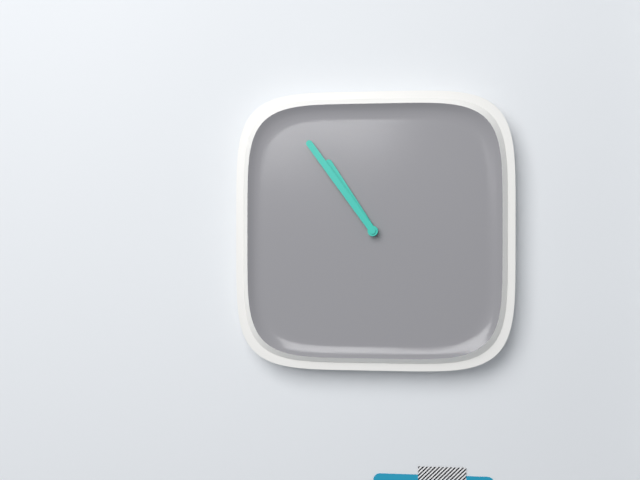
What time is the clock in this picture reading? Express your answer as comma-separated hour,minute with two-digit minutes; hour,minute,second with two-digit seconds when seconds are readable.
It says 10,54
